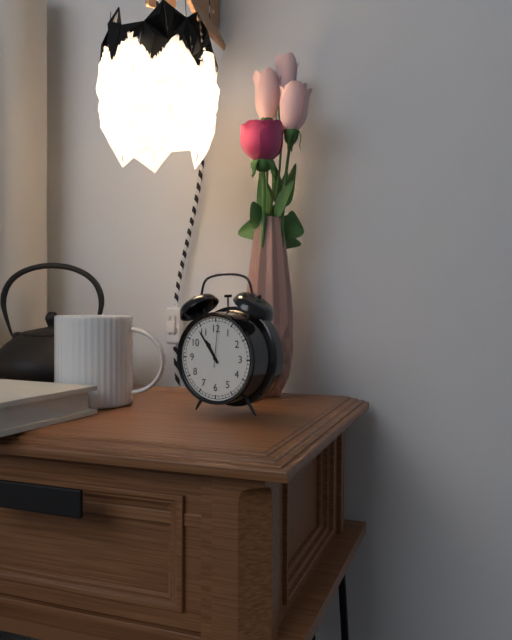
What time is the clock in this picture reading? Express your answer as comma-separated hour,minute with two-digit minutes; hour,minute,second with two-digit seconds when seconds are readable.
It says 10,54
